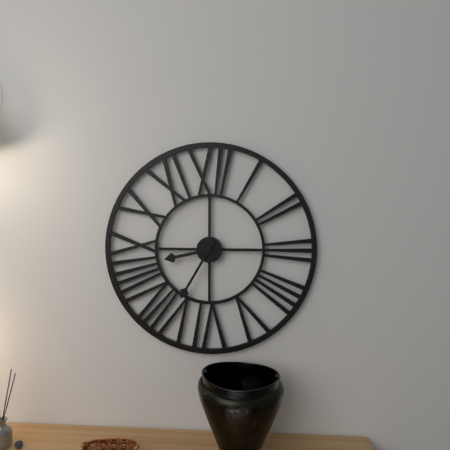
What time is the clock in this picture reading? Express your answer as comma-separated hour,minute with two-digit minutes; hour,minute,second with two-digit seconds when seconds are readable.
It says 8,35
